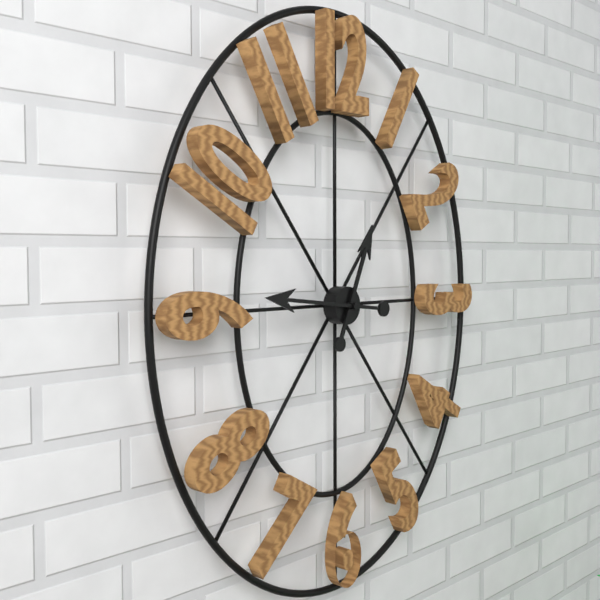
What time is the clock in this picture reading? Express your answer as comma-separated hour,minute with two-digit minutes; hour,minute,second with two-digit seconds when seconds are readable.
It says 12,46
